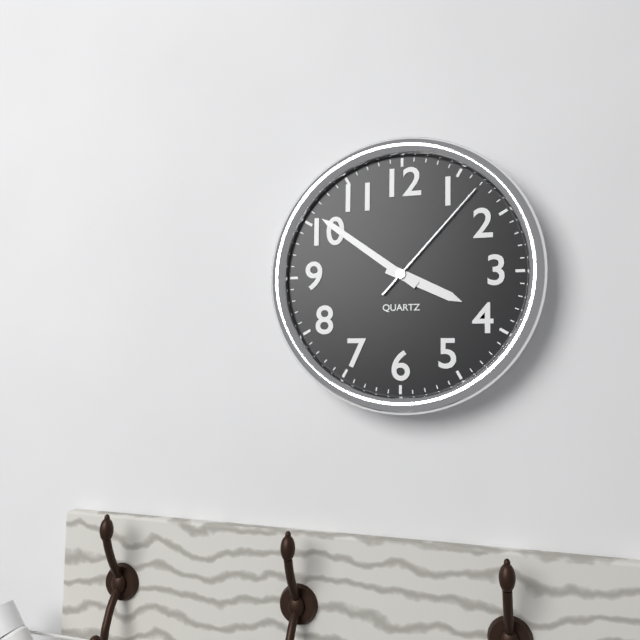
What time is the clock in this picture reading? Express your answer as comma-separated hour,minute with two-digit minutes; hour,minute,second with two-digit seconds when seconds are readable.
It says 3,51,07
